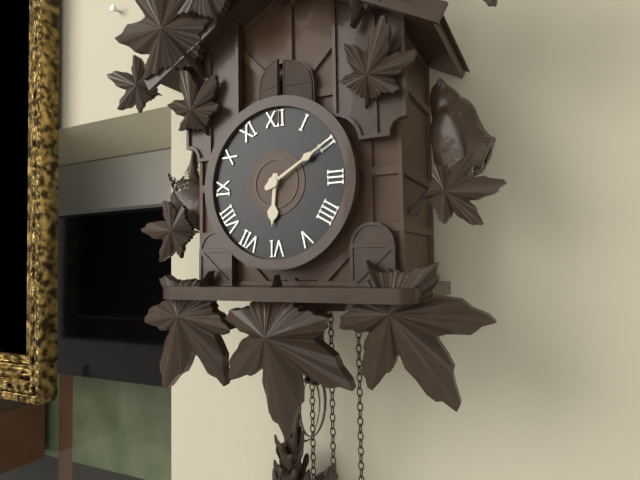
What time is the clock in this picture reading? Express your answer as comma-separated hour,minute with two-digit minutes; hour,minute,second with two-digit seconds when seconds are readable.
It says 6,10
